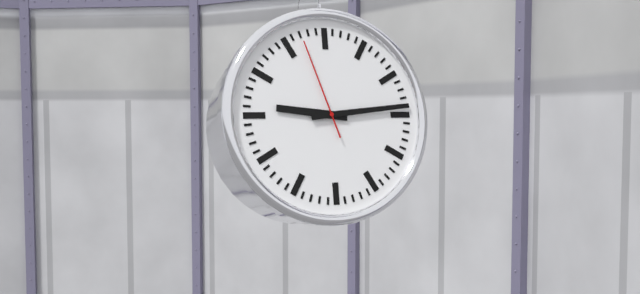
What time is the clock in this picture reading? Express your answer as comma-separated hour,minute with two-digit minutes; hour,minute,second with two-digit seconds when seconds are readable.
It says 9,14,57
